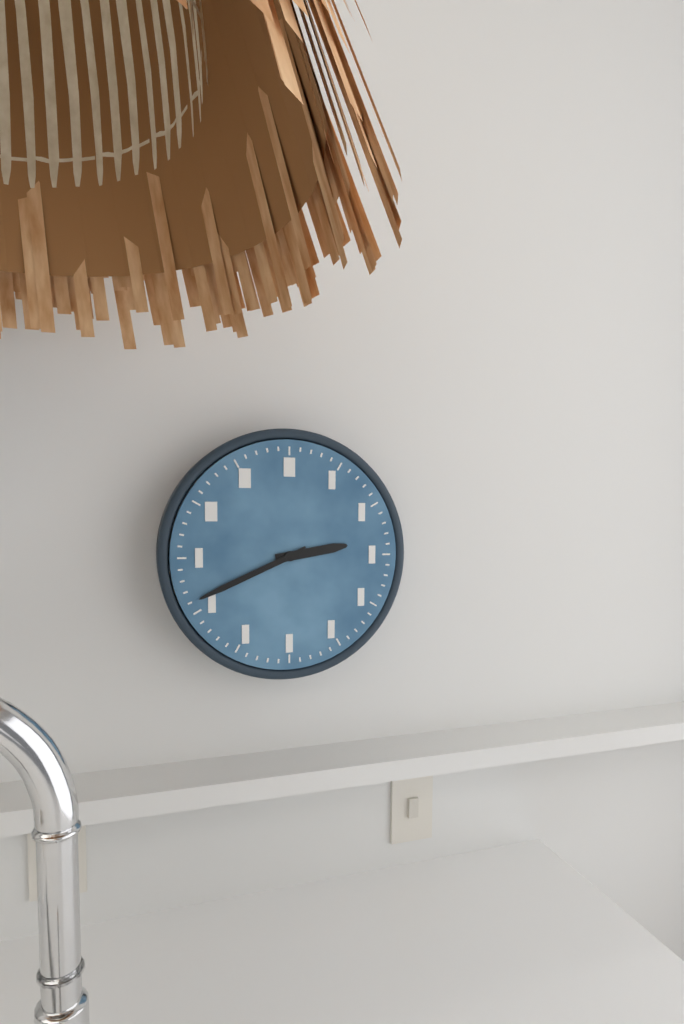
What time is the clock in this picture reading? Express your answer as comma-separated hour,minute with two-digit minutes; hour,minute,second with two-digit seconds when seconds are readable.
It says 2,41
